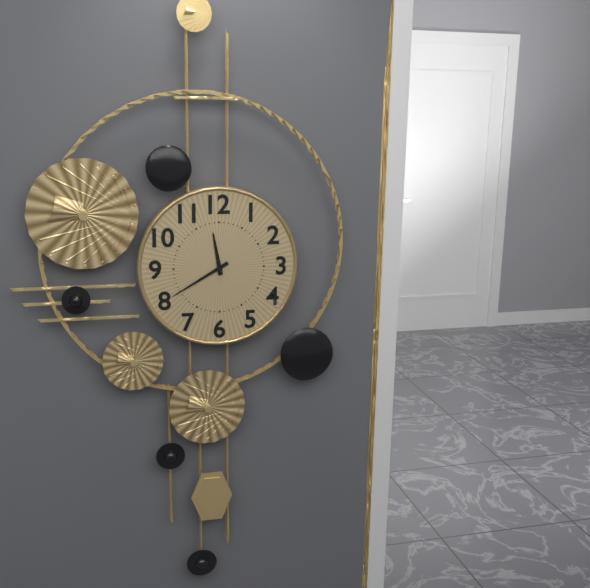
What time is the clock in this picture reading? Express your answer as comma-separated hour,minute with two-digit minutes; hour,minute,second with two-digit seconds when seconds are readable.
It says 11,40
